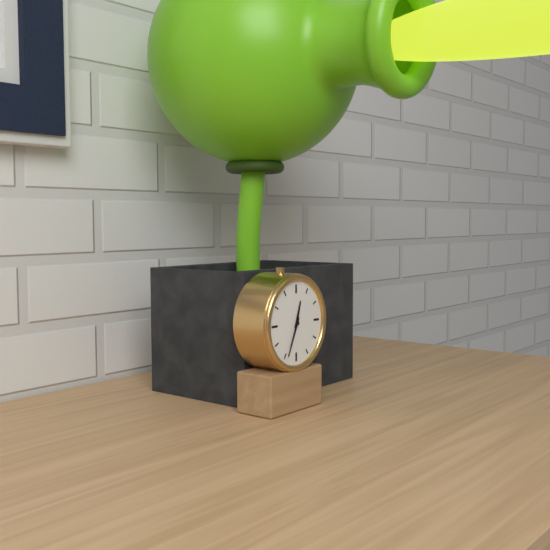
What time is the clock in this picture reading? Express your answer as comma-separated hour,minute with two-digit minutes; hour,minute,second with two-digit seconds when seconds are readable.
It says 12,34
